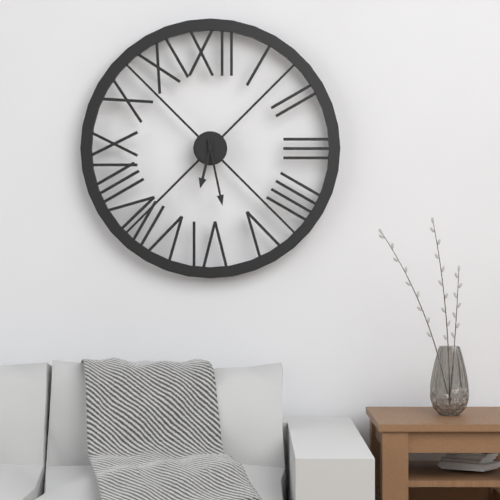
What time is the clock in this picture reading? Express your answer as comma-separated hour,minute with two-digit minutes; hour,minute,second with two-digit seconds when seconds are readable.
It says 6,28
